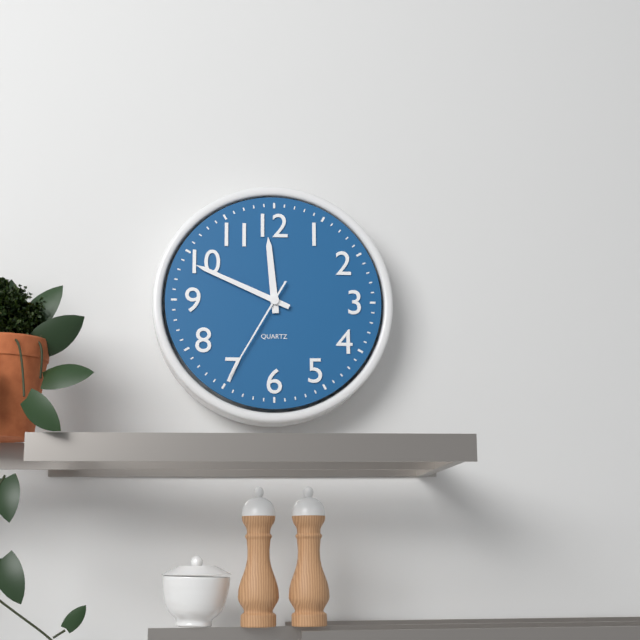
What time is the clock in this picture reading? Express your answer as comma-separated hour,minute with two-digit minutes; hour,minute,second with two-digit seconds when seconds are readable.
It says 11,49,35
